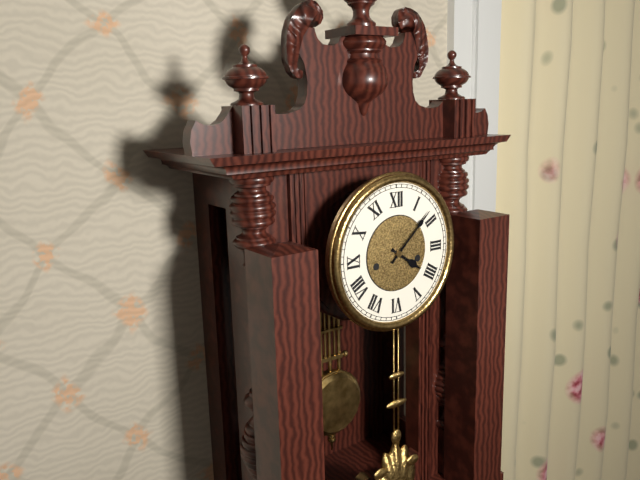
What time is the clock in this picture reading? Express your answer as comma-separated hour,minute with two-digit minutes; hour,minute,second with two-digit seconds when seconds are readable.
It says 4,08
